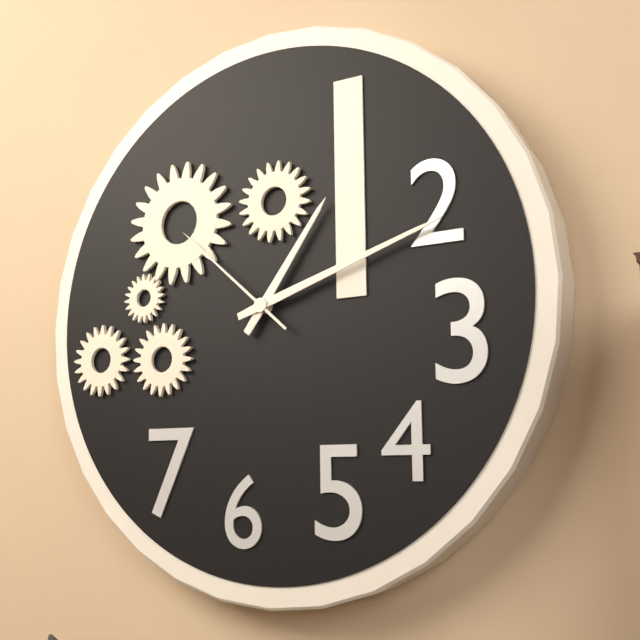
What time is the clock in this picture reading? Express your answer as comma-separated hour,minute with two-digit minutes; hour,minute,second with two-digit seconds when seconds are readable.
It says 1,12,52
